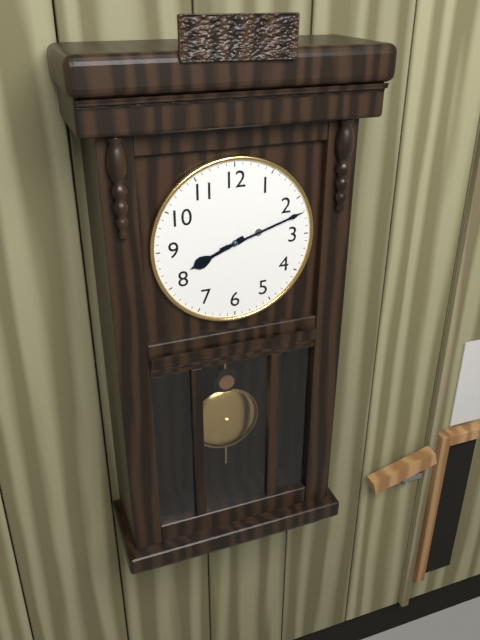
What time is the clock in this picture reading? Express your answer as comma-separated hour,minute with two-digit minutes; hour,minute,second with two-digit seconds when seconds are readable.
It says 8,12
